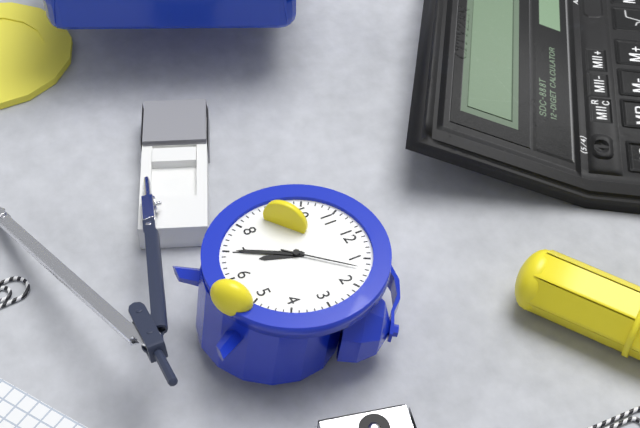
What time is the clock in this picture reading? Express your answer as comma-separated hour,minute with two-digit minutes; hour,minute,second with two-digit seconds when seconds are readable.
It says 6,35,07
